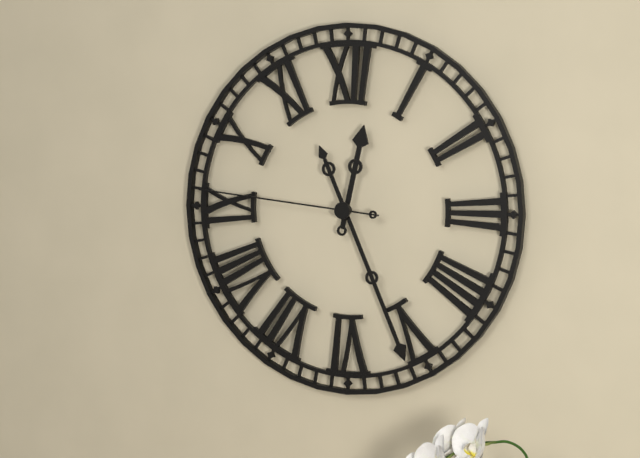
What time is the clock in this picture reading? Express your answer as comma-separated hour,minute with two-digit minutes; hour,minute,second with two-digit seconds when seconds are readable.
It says 12,26,46
